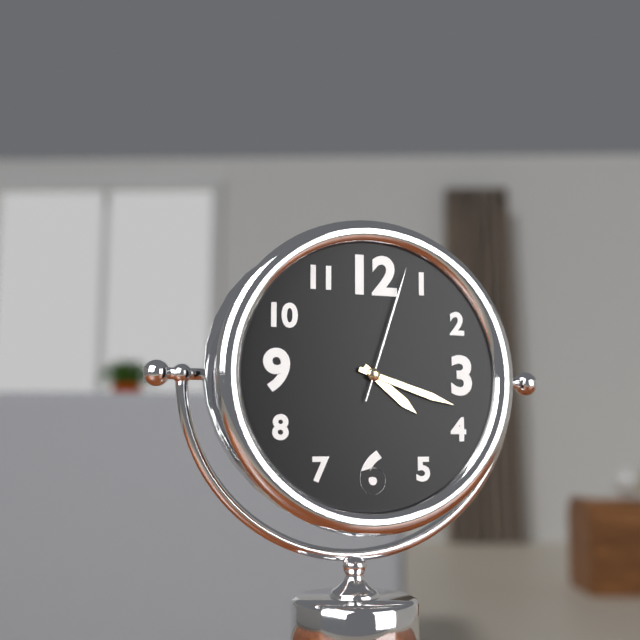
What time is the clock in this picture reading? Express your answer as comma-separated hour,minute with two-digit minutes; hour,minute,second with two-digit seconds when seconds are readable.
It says 4,18,03
